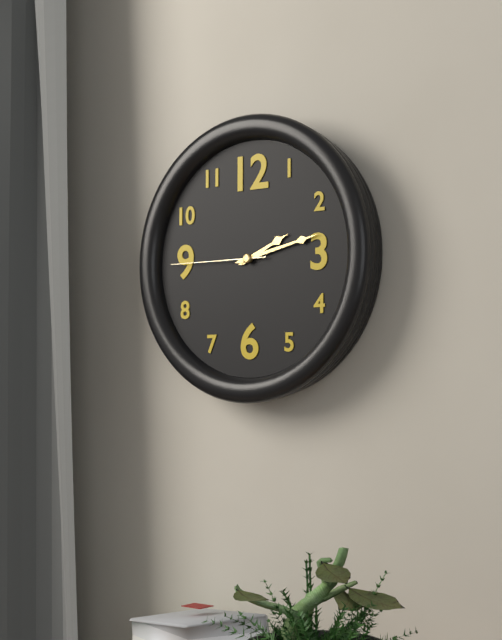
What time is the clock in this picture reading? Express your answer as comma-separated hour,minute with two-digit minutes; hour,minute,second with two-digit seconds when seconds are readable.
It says 2,13,45
